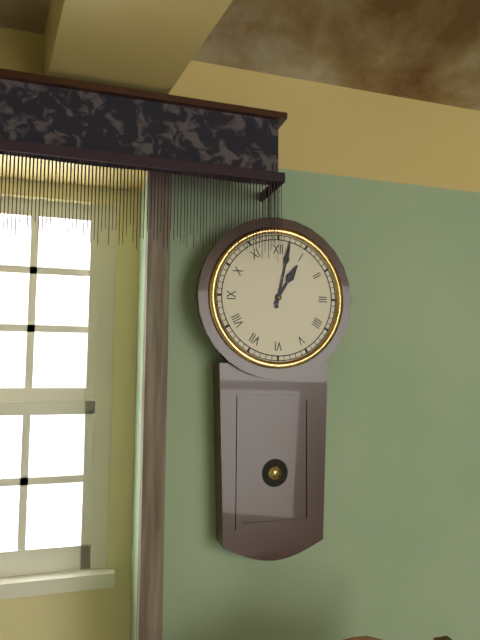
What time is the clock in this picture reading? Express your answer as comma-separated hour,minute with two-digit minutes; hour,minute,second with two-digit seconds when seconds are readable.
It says 1,02
